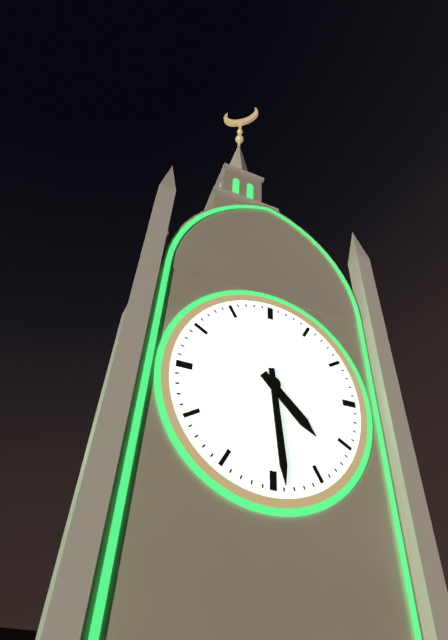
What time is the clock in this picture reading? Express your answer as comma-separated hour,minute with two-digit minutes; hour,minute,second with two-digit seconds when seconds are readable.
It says 4,29
